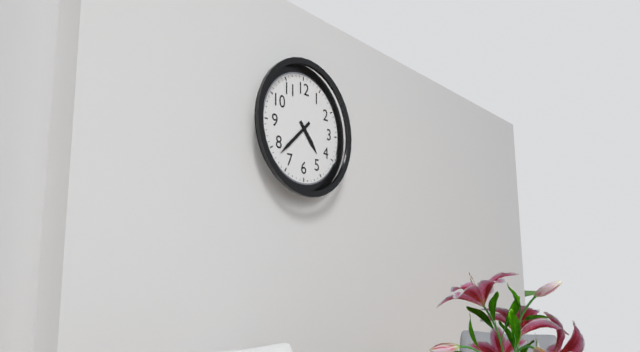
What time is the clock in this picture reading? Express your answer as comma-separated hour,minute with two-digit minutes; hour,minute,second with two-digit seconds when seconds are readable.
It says 4,38
